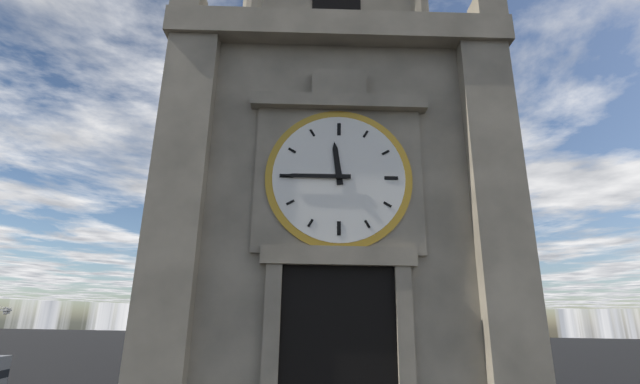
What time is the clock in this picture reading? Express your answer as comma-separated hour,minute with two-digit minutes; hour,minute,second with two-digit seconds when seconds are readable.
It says 11,45
